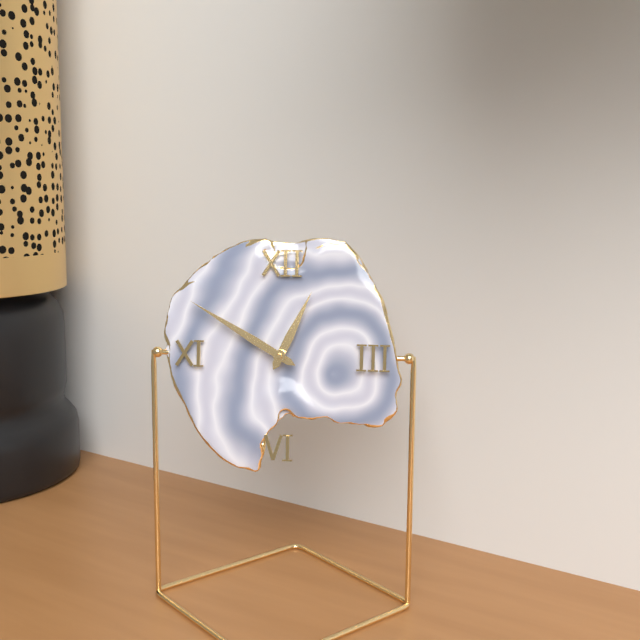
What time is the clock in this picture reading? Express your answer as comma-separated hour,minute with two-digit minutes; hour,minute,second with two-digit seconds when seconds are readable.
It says 12,50
